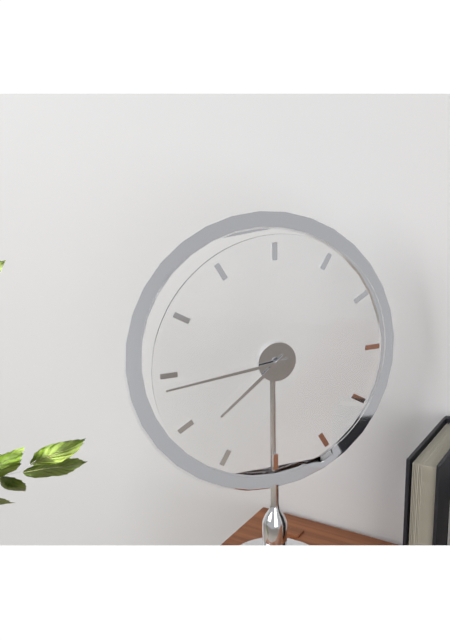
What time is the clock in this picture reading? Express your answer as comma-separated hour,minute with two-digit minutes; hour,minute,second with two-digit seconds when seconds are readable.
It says 7,44
